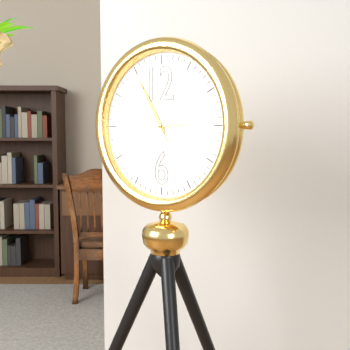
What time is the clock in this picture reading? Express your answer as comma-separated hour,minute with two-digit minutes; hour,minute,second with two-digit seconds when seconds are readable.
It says 2,55,55
